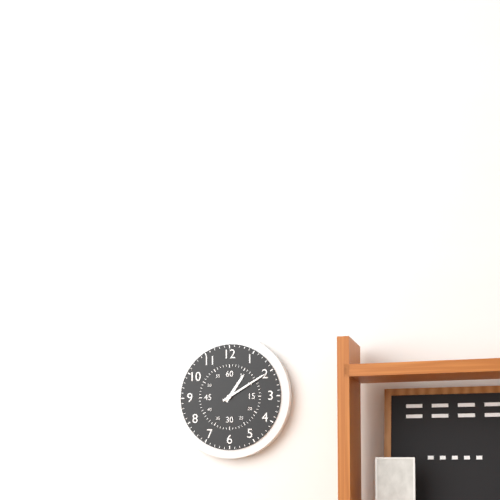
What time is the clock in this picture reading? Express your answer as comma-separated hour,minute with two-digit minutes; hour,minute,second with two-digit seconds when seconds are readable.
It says 1,10
